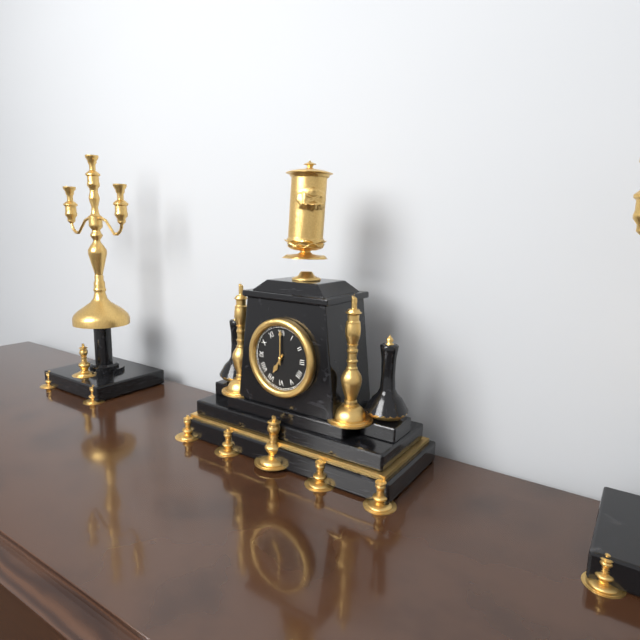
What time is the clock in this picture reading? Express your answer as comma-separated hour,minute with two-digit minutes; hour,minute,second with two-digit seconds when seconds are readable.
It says 7,00
